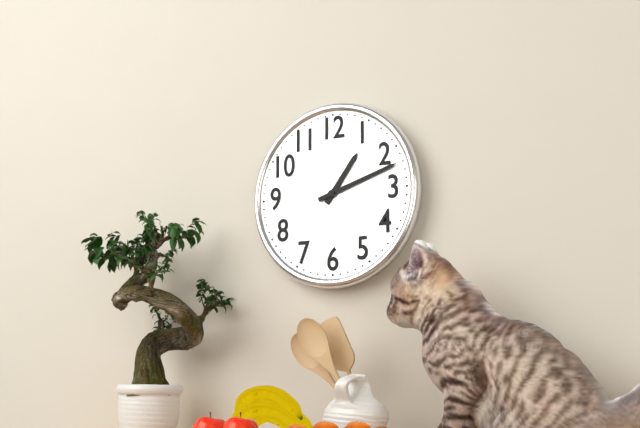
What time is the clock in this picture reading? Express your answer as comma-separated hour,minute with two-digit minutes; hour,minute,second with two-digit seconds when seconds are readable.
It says 1,12
